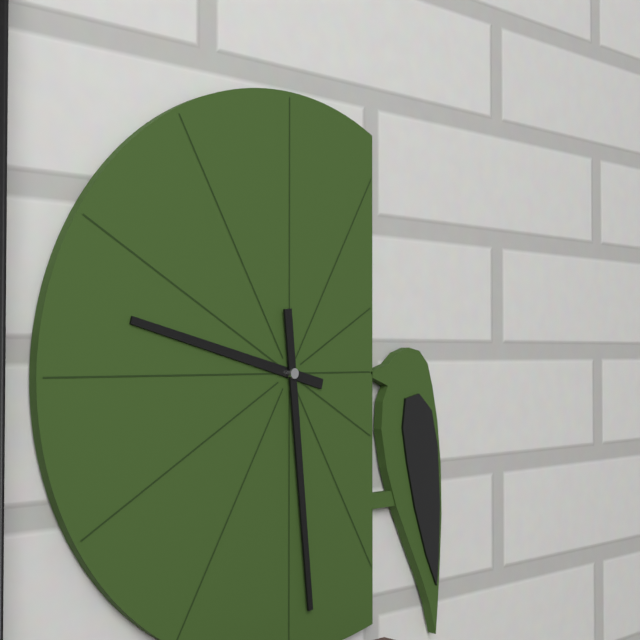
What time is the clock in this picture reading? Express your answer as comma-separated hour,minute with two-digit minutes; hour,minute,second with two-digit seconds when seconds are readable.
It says 9,29
